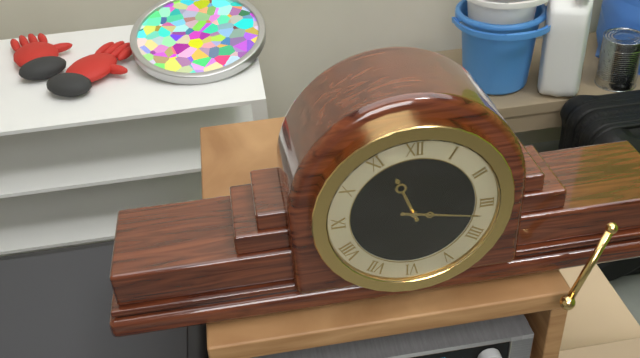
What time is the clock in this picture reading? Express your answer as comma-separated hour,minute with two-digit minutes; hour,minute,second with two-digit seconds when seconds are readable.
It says 11,17
